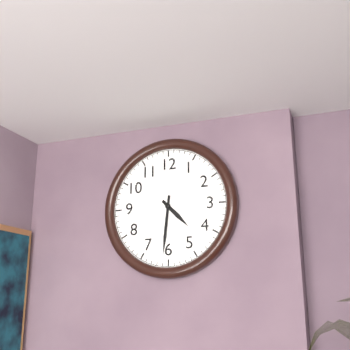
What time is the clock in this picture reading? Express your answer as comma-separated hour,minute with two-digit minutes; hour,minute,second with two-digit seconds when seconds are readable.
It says 4,31
